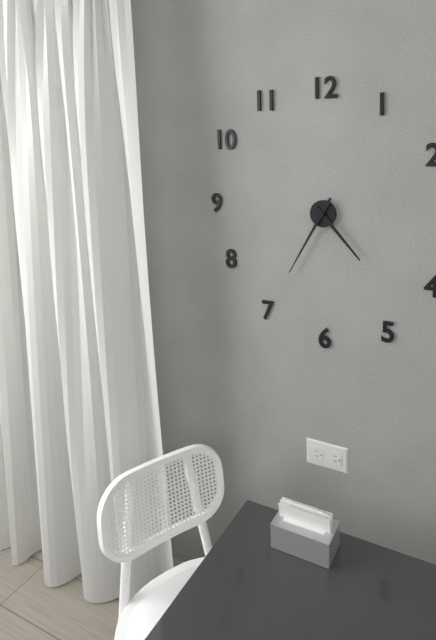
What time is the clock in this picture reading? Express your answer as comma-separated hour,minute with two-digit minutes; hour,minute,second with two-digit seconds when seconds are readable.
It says 4,35
